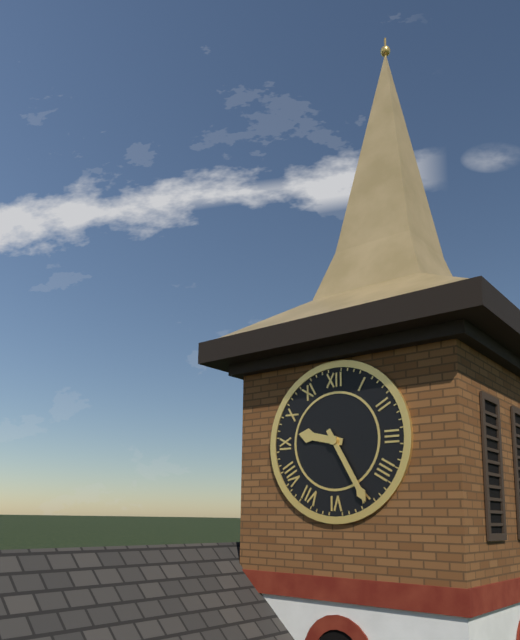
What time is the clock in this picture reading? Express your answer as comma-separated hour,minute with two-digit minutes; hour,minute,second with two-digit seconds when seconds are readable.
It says 9,25
